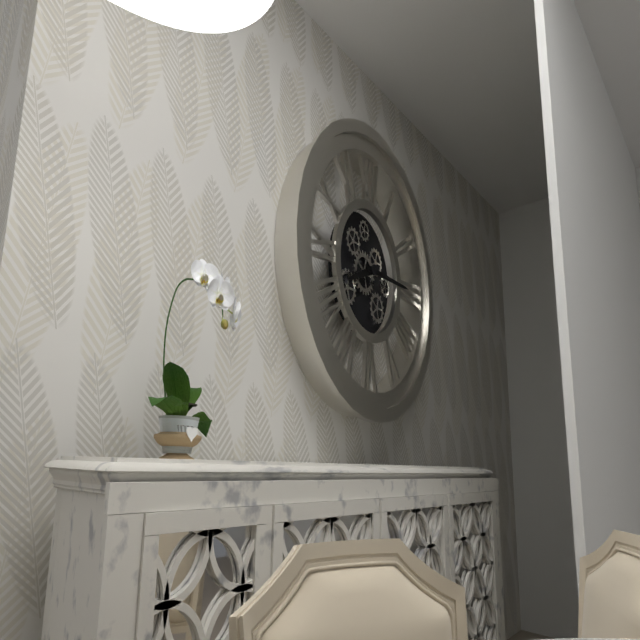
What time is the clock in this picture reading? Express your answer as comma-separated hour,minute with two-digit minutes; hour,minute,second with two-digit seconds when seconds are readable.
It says 8,15
